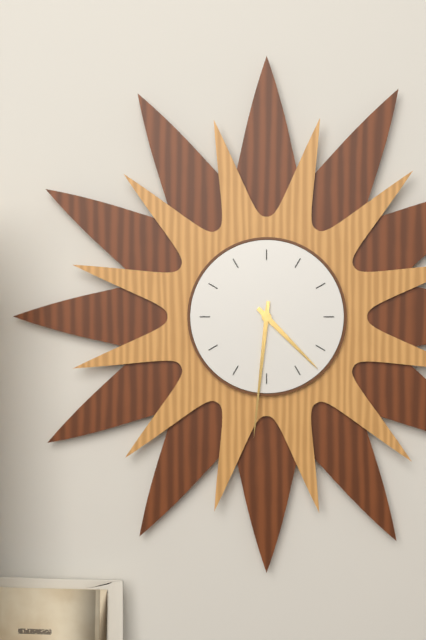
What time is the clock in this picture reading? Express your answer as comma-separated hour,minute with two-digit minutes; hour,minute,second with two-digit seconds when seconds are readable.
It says 4,31
